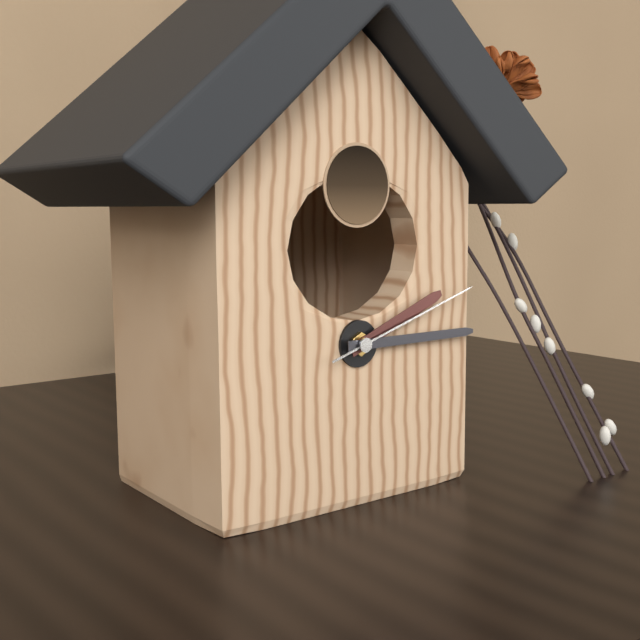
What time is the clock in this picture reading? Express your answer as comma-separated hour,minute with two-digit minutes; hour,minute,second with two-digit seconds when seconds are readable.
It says 2,15,12
